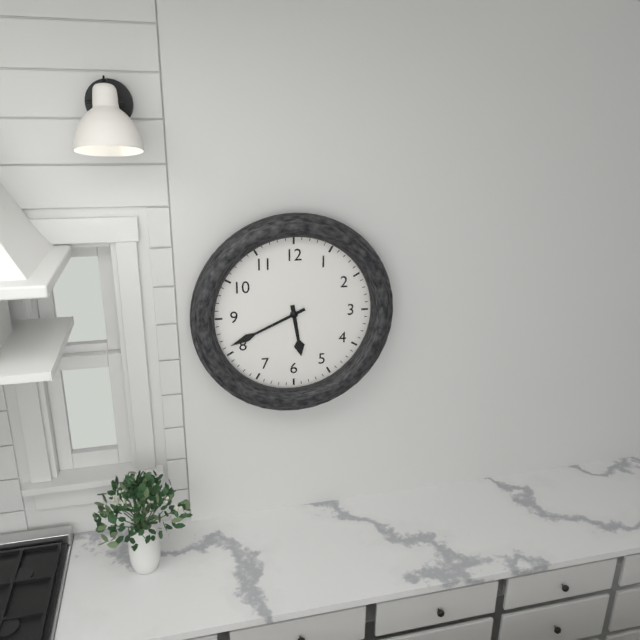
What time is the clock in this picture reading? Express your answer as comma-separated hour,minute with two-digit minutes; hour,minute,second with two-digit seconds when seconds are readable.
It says 5,41
